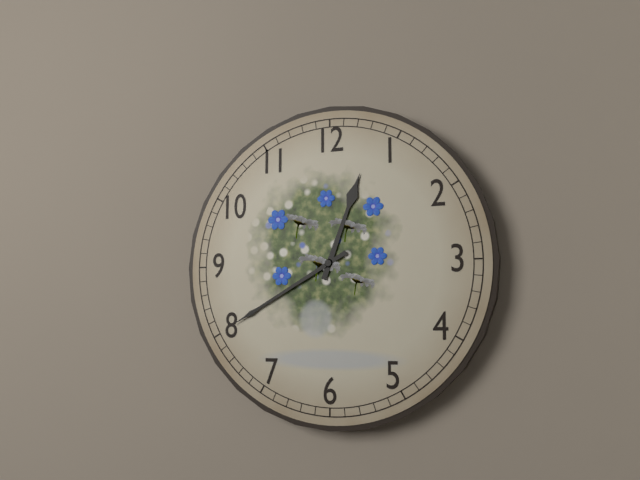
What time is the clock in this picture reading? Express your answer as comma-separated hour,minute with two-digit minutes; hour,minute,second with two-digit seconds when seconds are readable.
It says 12,40
